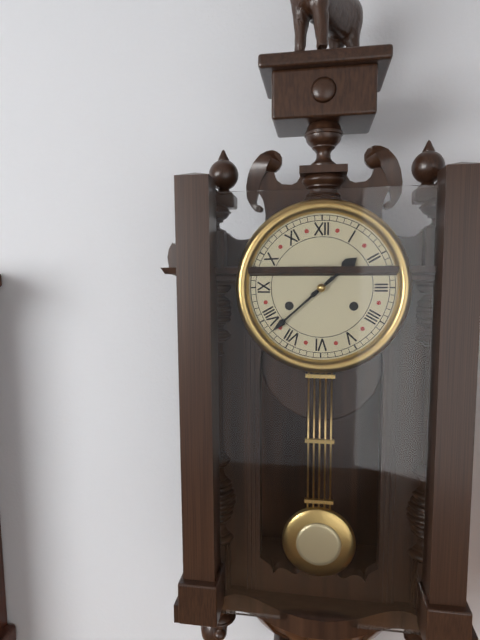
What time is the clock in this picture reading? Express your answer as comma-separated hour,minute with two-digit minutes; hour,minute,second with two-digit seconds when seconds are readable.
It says 1,38
